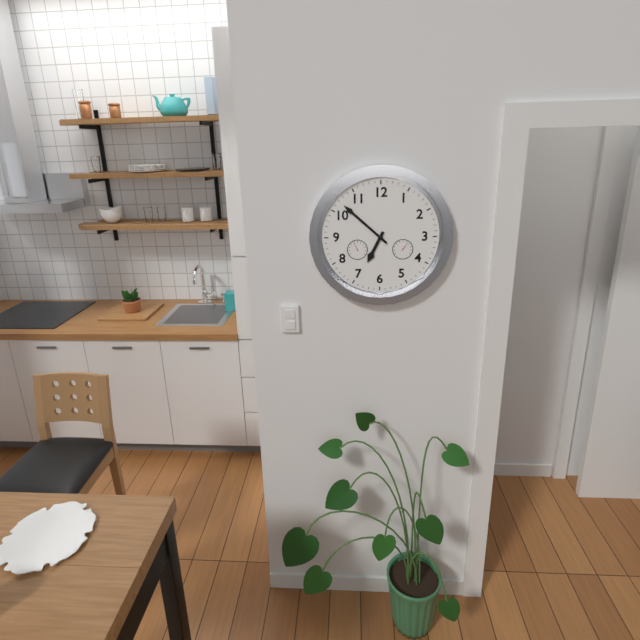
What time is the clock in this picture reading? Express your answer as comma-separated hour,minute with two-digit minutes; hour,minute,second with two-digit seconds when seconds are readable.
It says 6,52
